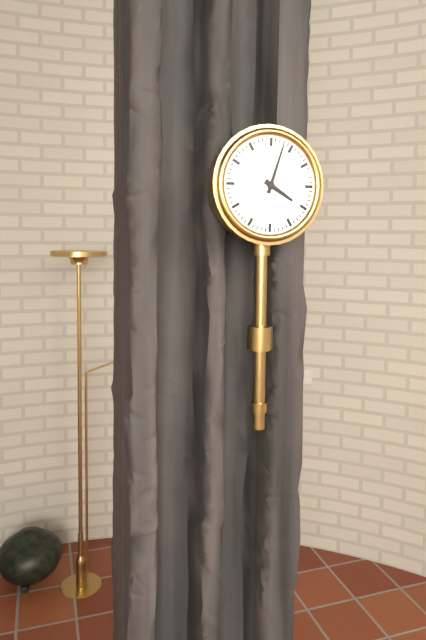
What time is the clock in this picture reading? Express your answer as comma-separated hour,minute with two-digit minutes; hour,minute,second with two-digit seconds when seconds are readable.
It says 4,03
